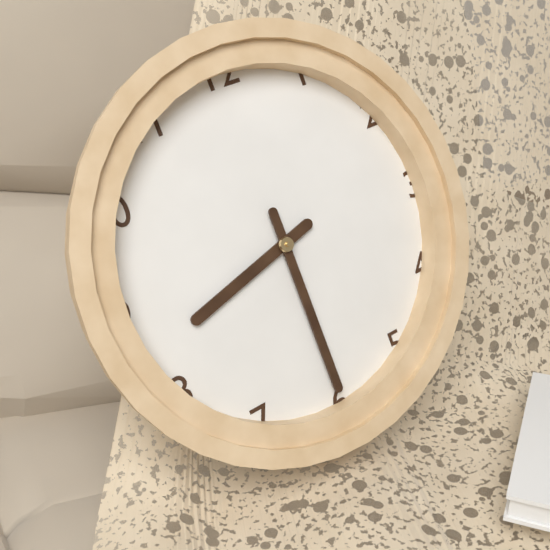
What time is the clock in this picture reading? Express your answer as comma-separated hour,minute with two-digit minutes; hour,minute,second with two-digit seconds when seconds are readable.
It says 8,30
